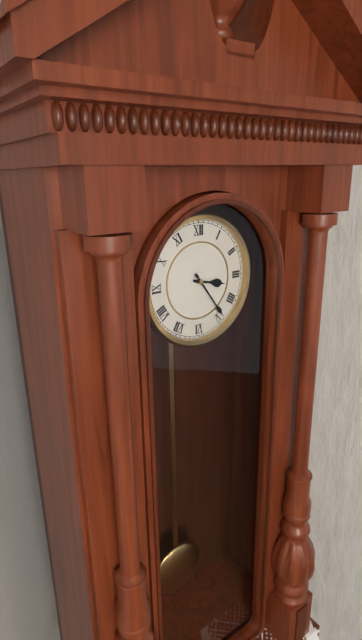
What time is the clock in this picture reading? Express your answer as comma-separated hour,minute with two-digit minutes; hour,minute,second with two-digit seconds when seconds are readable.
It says 3,24
